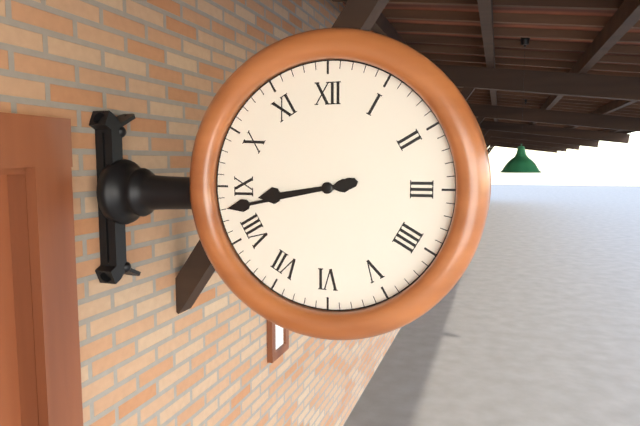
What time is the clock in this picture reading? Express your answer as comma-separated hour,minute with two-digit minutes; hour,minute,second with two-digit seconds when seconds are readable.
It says 8,43
